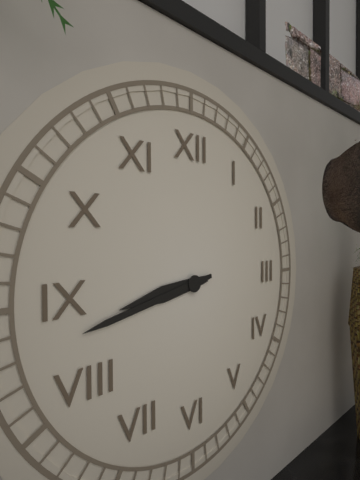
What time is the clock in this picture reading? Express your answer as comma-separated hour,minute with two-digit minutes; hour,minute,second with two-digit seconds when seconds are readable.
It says 8,43
